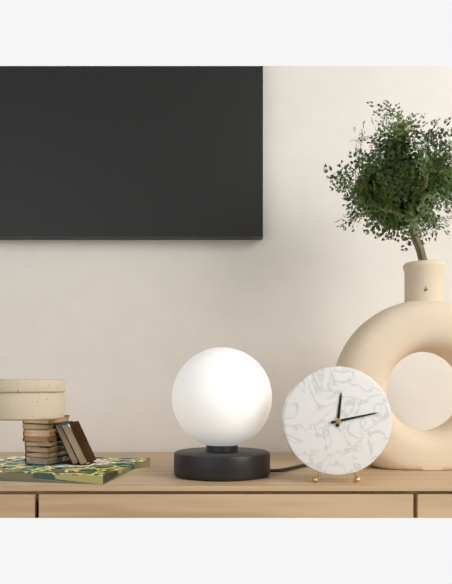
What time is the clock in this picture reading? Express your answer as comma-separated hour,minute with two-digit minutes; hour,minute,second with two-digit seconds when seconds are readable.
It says 12,13
